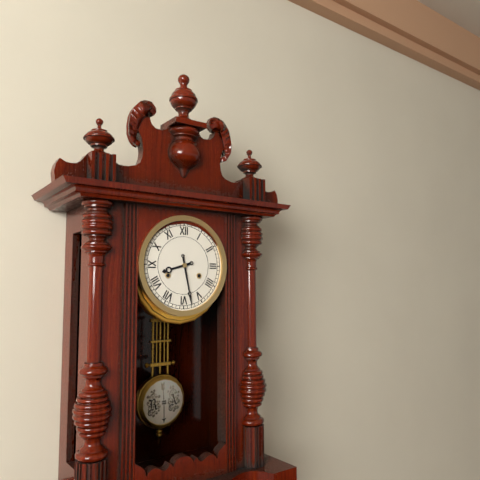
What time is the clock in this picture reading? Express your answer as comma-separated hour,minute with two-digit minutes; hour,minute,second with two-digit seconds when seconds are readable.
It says 8,28
